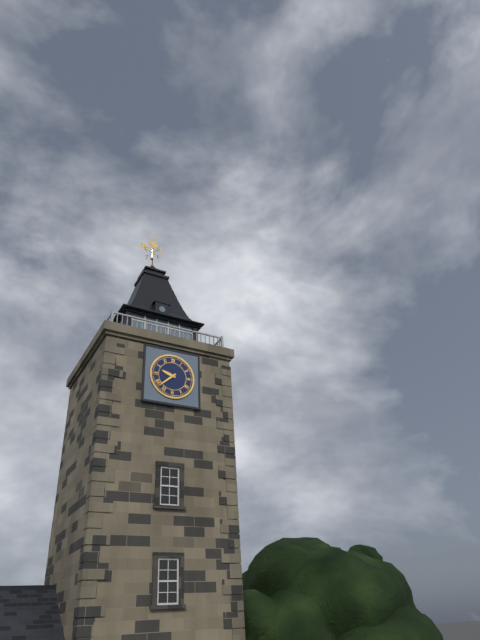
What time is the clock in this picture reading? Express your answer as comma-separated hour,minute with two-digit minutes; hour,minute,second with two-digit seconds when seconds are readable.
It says 9,38
